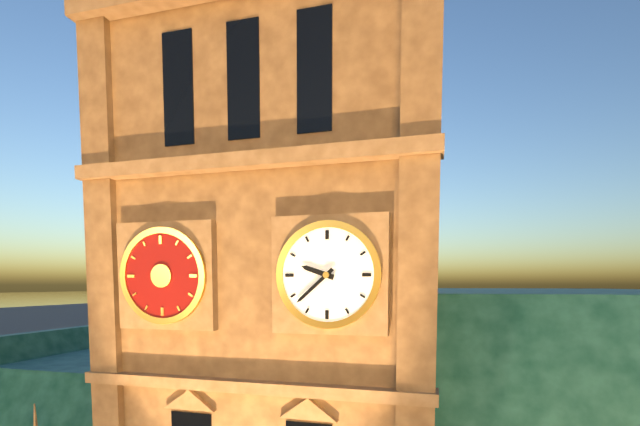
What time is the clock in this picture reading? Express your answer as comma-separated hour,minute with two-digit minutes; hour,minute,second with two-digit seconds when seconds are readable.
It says 9,38
